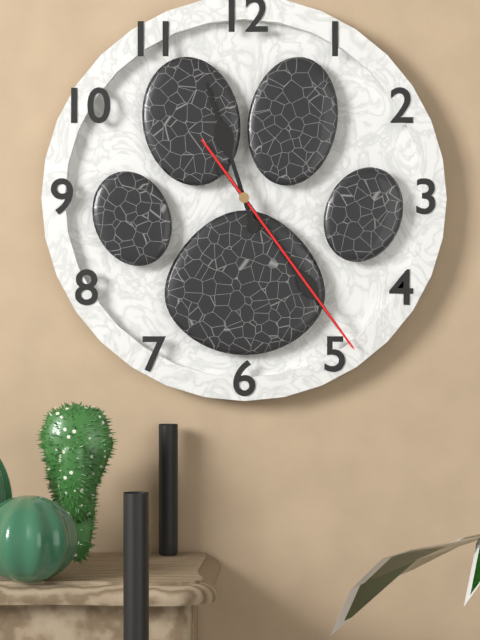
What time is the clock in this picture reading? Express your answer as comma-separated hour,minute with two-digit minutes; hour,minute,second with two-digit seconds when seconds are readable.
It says 11,24,24
